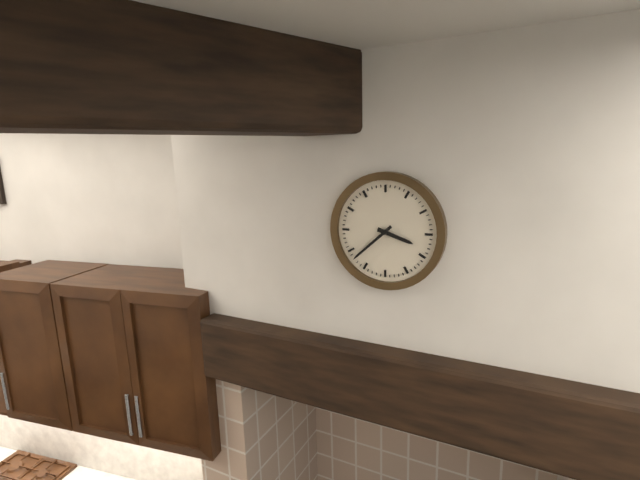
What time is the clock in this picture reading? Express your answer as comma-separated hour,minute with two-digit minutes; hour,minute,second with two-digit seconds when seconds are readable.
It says 3,38
